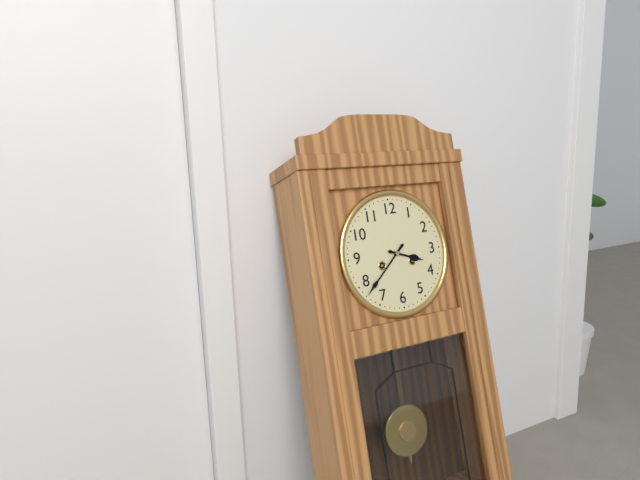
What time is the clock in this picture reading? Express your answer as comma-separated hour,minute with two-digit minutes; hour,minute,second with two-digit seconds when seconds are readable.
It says 3,38
